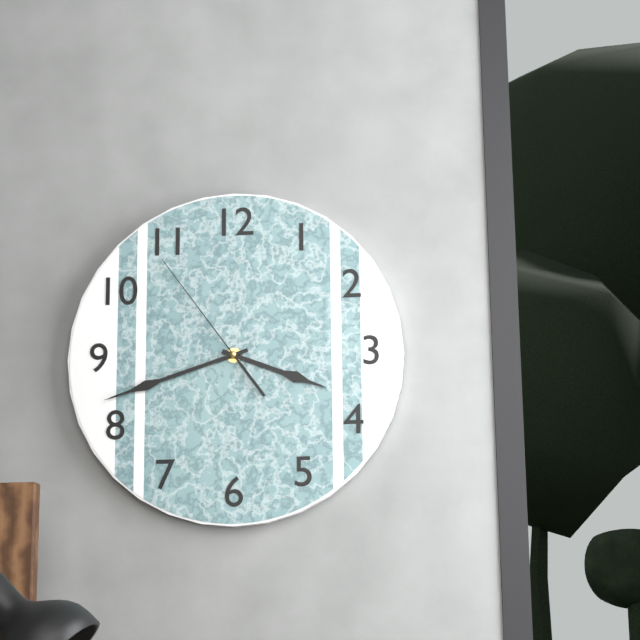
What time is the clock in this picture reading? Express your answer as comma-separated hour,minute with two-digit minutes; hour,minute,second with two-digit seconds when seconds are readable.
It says 3,42,54
